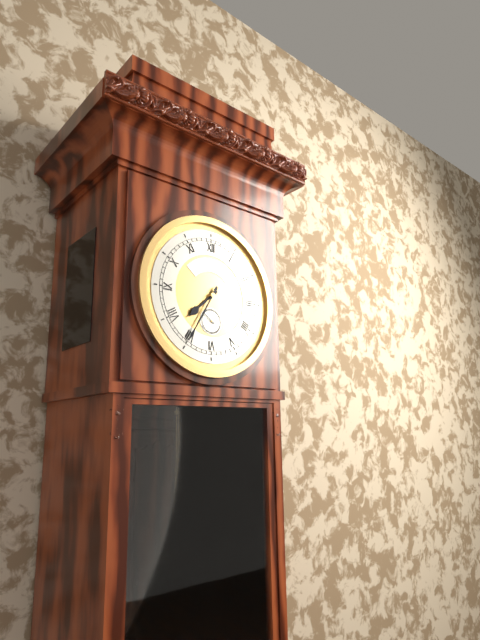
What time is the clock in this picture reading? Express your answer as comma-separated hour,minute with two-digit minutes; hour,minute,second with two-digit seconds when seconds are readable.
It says 7,35
